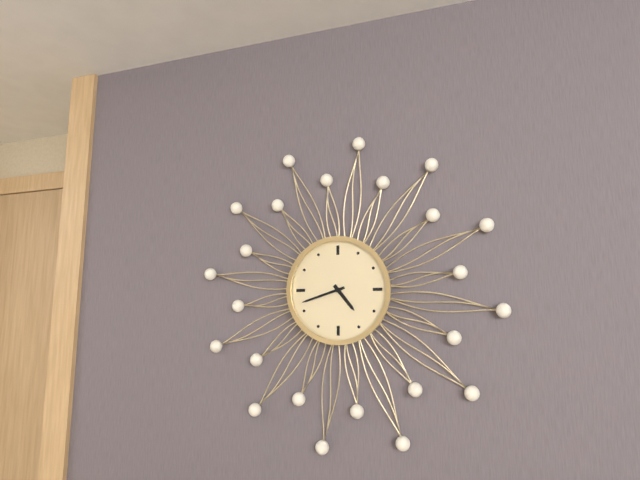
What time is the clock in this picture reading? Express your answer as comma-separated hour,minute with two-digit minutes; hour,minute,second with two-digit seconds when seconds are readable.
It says 4,42
